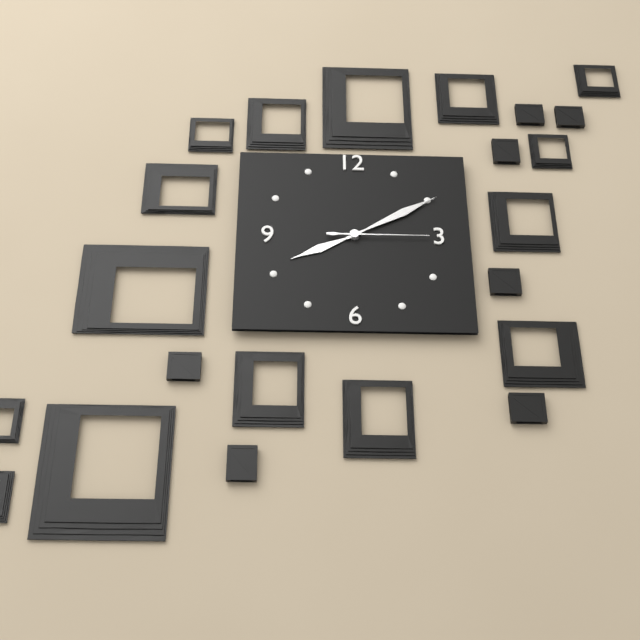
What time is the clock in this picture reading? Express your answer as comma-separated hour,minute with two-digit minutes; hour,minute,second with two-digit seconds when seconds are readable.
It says 8,10,15
